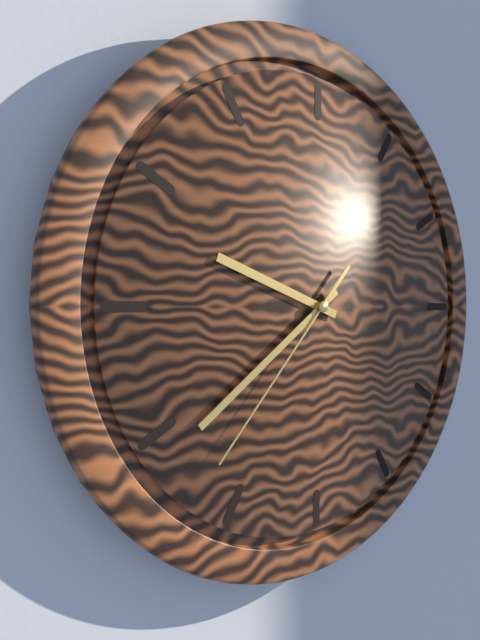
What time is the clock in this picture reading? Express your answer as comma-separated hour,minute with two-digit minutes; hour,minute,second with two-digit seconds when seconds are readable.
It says 9,39,37
